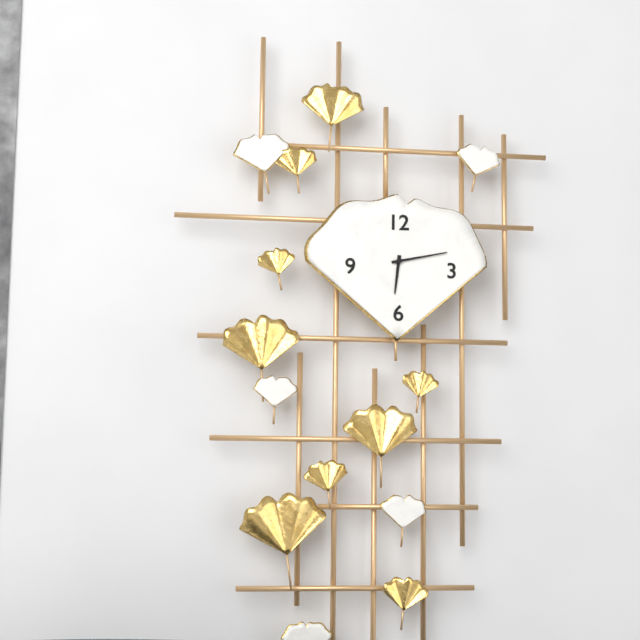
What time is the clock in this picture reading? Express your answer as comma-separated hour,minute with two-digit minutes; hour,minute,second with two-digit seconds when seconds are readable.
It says 6,13
